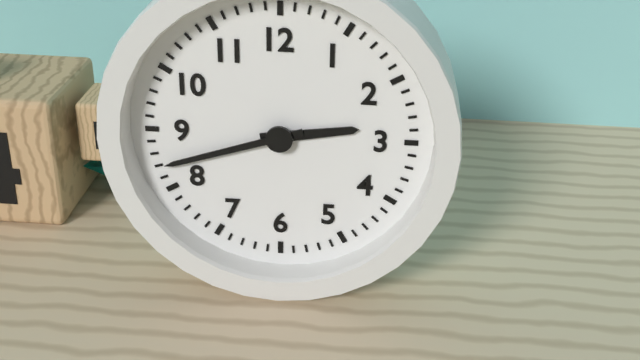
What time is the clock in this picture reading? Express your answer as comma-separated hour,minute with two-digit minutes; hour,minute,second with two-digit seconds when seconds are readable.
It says 2,42
